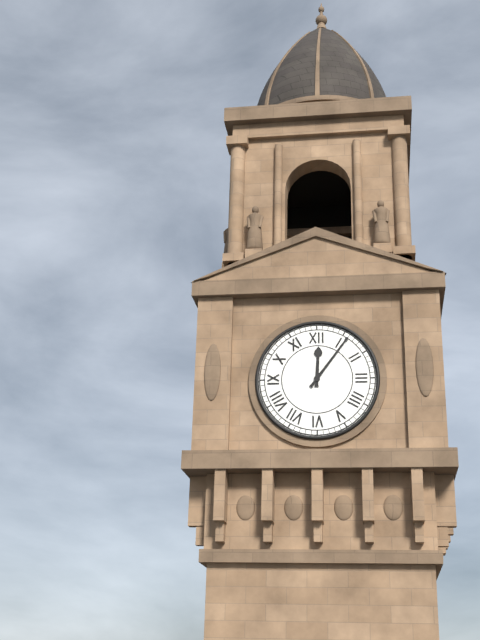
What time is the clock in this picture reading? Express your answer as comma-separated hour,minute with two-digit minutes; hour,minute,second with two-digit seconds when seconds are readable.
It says 12,06
